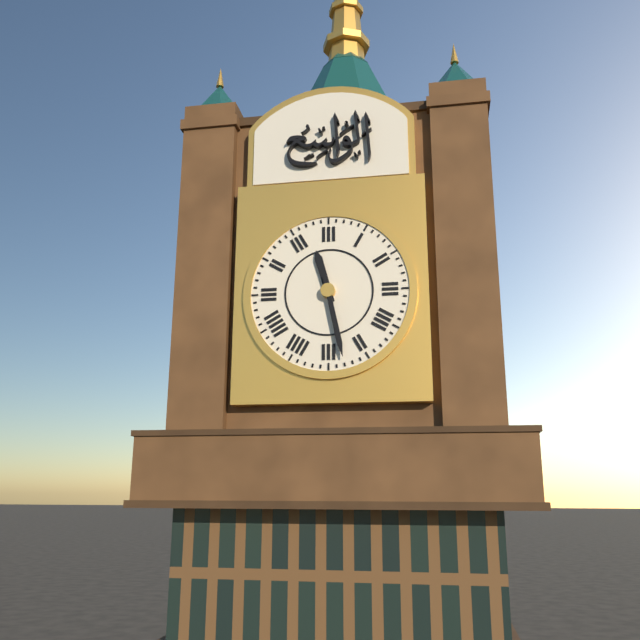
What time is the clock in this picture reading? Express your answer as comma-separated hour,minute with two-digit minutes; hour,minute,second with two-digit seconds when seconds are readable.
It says 11,28
